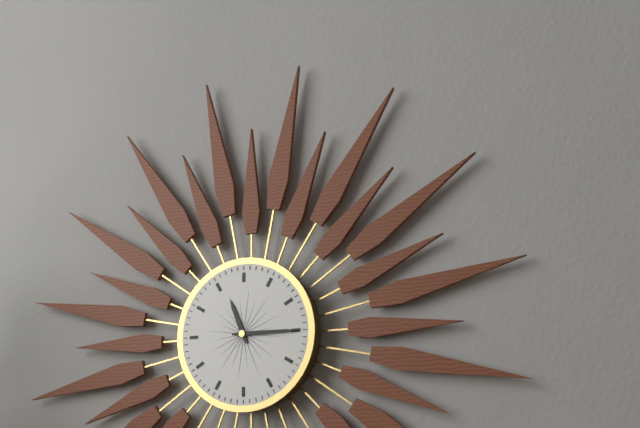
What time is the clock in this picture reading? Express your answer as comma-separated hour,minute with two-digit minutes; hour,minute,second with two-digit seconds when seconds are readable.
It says 11,15
